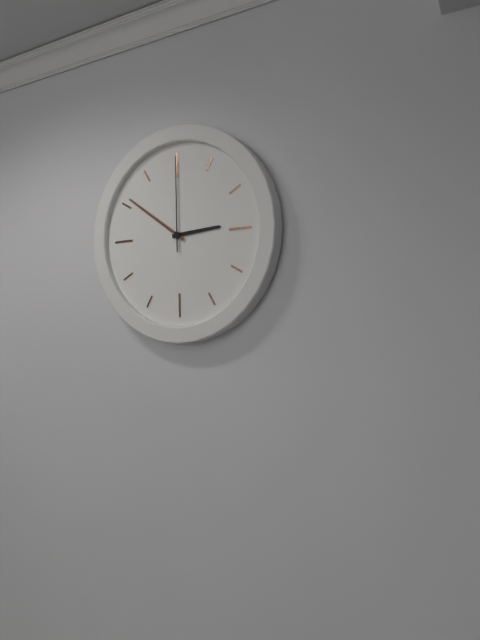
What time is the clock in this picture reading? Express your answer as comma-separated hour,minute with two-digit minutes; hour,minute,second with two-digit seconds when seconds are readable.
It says 2,51,00
